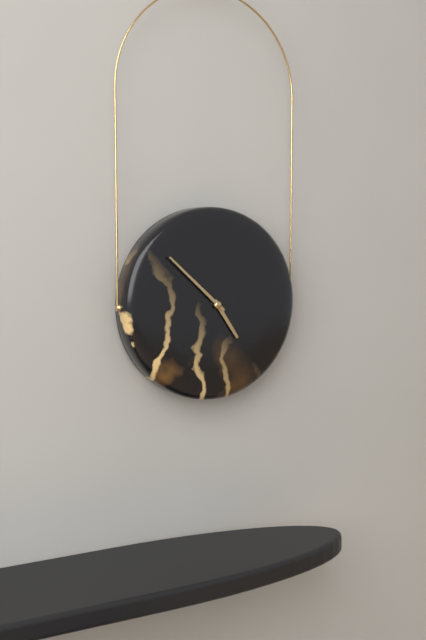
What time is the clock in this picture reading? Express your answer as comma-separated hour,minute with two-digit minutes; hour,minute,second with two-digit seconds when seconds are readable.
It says 4,52
